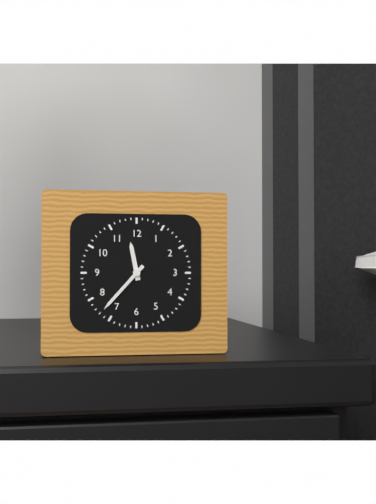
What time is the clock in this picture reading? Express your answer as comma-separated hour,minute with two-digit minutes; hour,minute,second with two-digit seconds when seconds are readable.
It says 11,37
